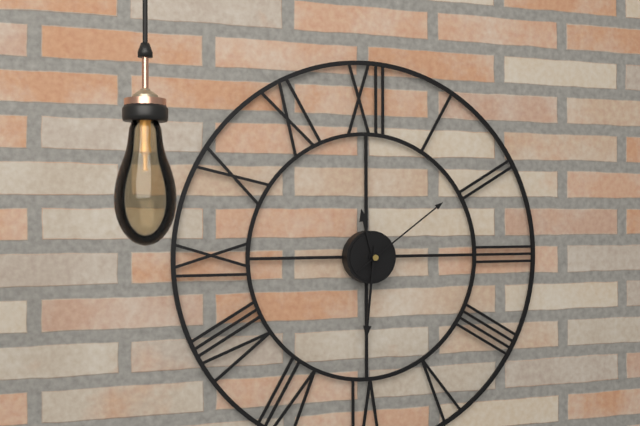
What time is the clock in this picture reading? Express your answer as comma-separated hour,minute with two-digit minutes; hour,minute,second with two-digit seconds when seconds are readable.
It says 11,31,09
